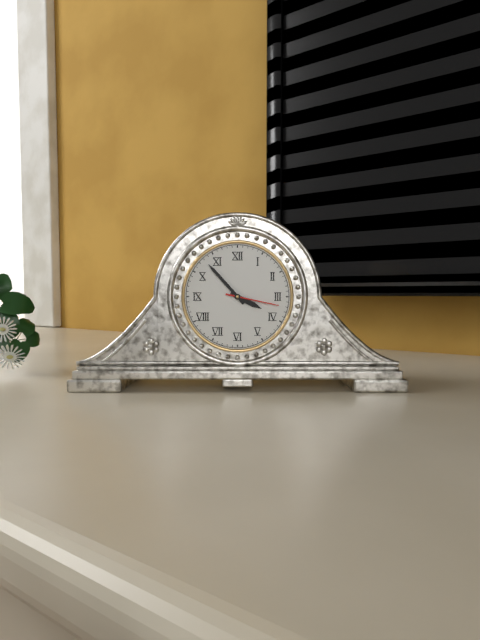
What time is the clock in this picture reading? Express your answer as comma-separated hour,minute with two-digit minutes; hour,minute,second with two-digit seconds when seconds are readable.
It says 3,53,17
